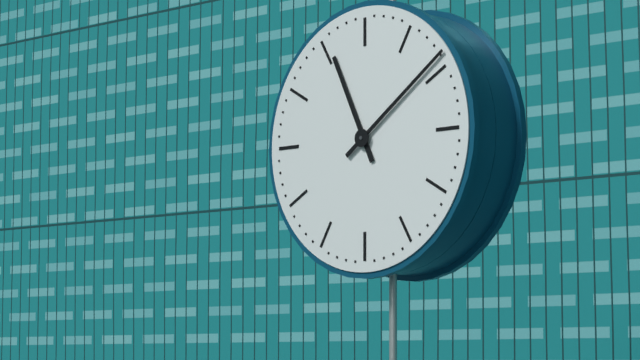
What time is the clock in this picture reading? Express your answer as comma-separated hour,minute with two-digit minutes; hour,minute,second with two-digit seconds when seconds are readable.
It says 11,09
